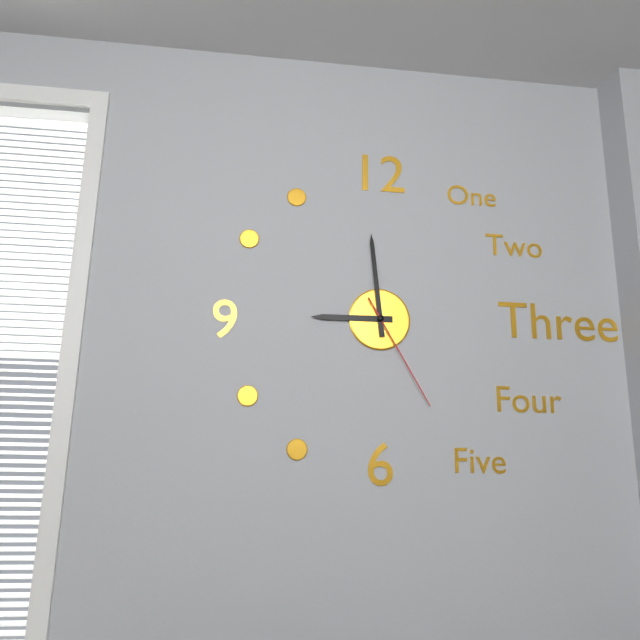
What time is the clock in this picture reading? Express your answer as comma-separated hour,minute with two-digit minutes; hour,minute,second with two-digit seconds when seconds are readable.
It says 8,59,25
